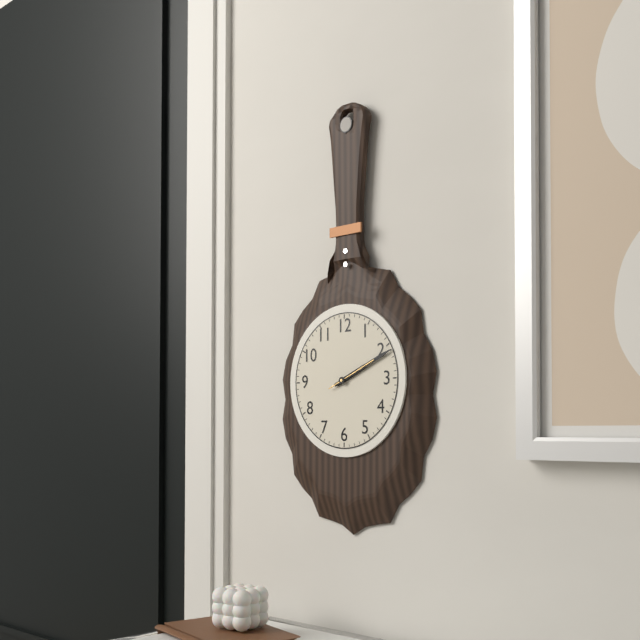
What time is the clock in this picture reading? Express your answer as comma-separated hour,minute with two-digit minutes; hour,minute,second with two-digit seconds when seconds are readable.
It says 2,11
